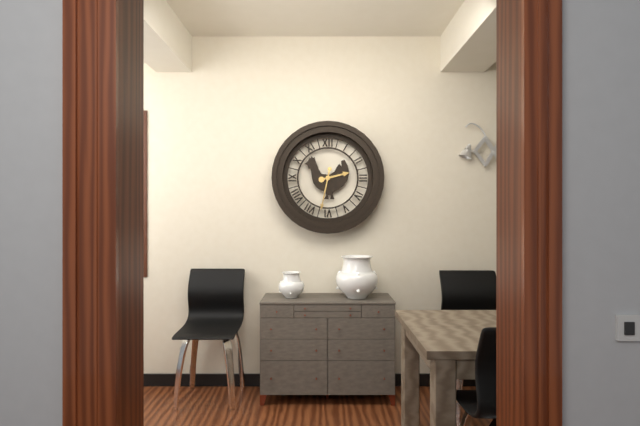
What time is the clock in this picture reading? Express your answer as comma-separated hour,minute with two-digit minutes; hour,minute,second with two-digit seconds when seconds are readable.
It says 2,32
